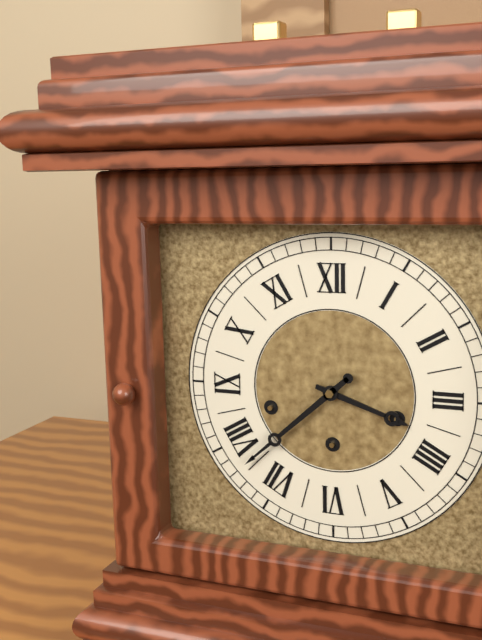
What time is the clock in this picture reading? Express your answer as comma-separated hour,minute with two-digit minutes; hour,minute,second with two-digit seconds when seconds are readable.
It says 3,38
